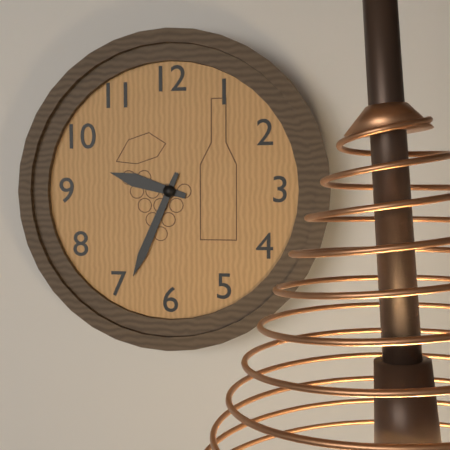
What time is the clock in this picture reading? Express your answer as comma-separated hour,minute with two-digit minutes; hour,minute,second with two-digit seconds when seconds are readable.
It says 9,34
